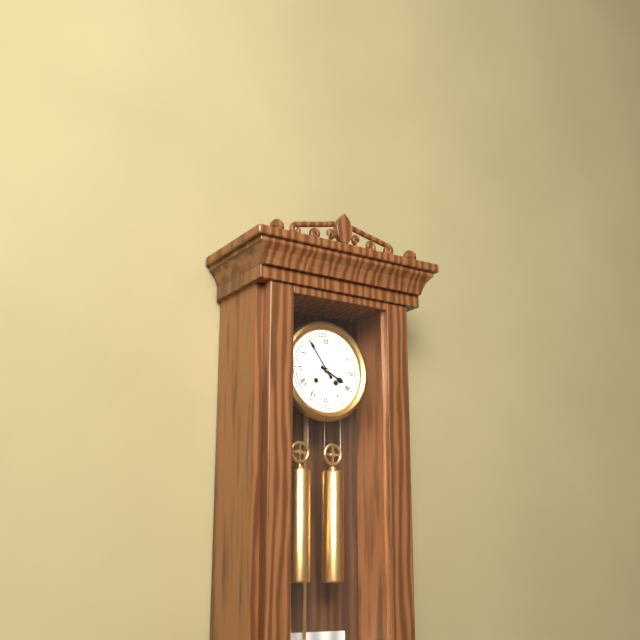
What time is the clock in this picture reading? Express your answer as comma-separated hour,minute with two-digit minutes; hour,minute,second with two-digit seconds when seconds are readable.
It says 3,54
